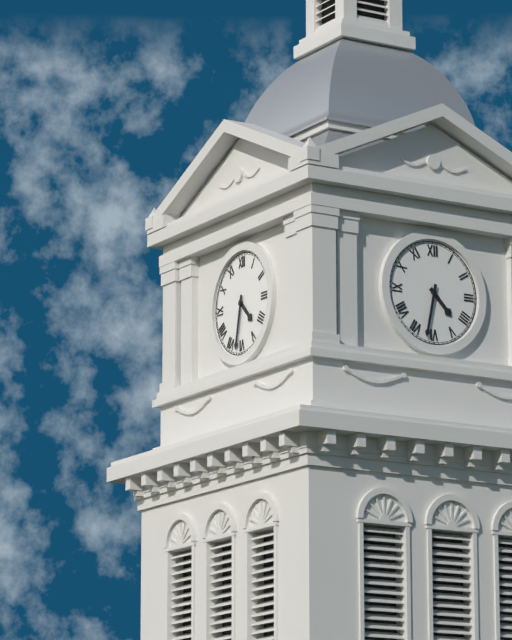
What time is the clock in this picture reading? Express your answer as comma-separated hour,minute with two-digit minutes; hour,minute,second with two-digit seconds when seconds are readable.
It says 4,32
